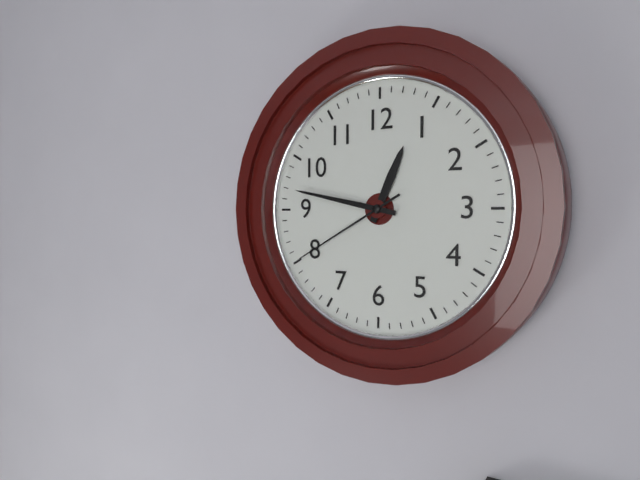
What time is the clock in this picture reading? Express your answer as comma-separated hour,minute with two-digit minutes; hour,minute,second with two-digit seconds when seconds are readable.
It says 12,47,40
